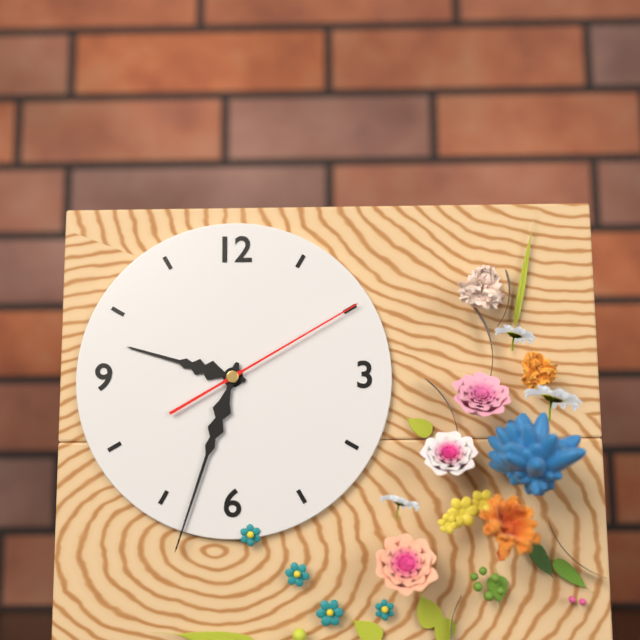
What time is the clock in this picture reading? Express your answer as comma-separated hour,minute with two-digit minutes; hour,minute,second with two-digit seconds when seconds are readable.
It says 9,33,10
